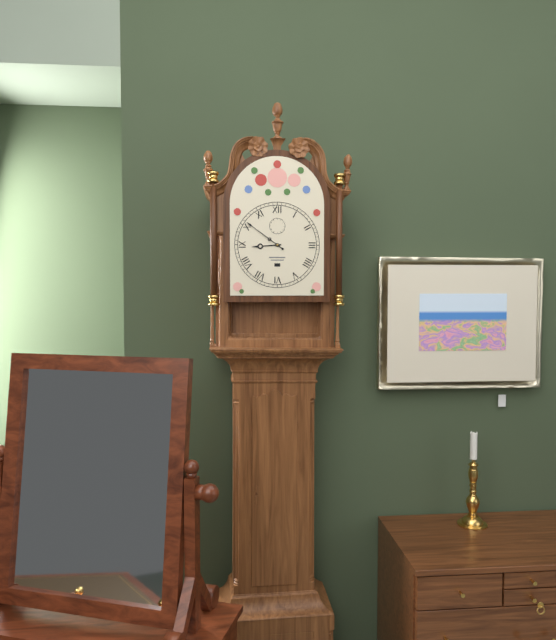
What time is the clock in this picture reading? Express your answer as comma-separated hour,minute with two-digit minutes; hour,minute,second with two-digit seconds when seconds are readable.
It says 8,51
